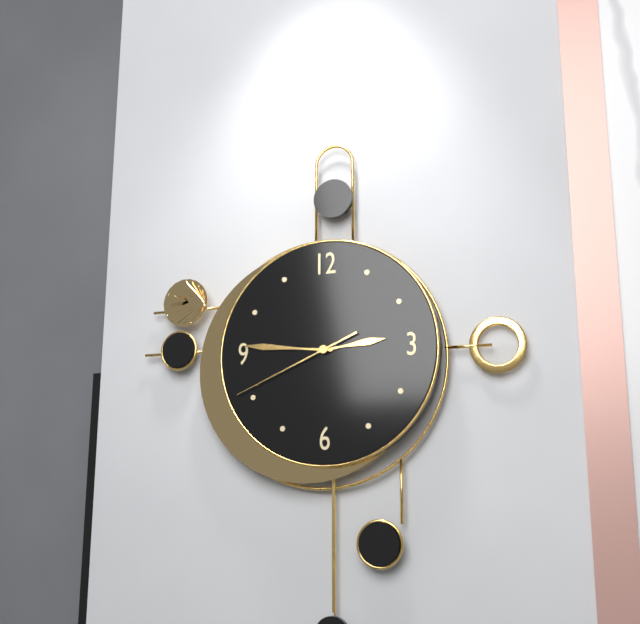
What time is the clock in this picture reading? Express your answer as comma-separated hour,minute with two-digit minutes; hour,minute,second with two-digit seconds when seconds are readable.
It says 2,46,41
